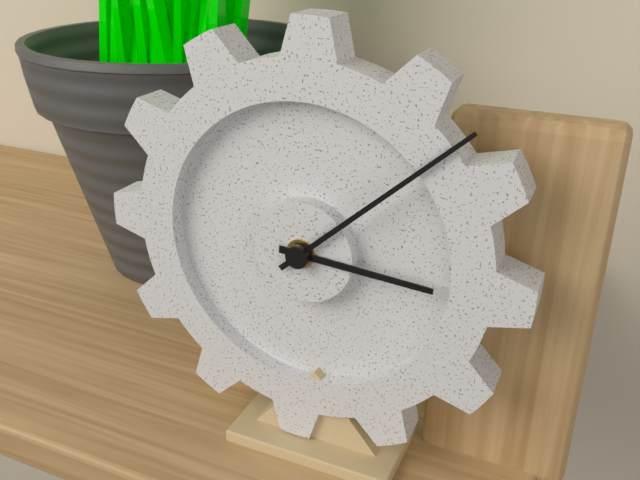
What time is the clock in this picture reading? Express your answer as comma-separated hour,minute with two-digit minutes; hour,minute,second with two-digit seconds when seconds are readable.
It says 3,08
